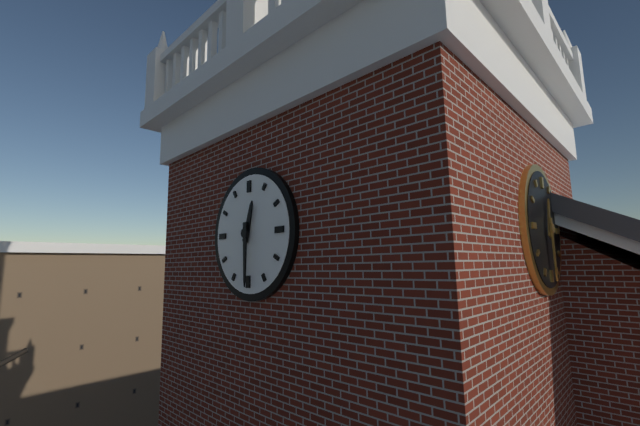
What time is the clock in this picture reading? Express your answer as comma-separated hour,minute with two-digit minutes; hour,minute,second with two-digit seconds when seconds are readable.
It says 12,30
